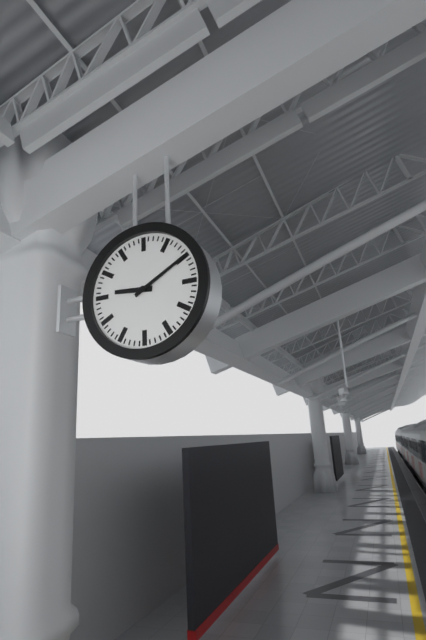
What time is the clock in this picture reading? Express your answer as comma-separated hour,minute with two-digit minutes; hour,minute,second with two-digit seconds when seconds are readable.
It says 9,10
